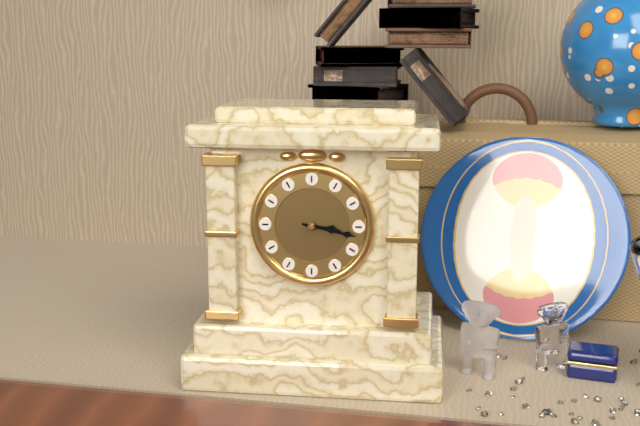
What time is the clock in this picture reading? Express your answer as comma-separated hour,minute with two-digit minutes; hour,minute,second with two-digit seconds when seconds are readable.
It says 3,17
